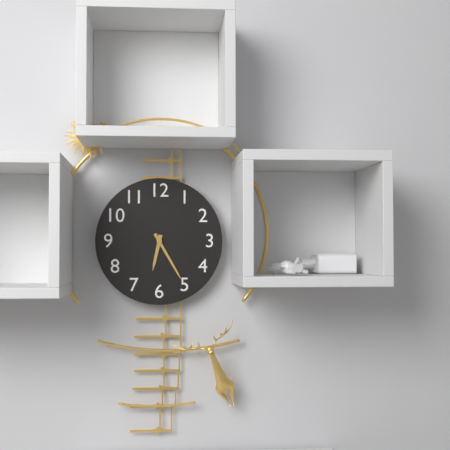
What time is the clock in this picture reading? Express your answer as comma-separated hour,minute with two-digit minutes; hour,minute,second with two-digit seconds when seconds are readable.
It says 6,25
